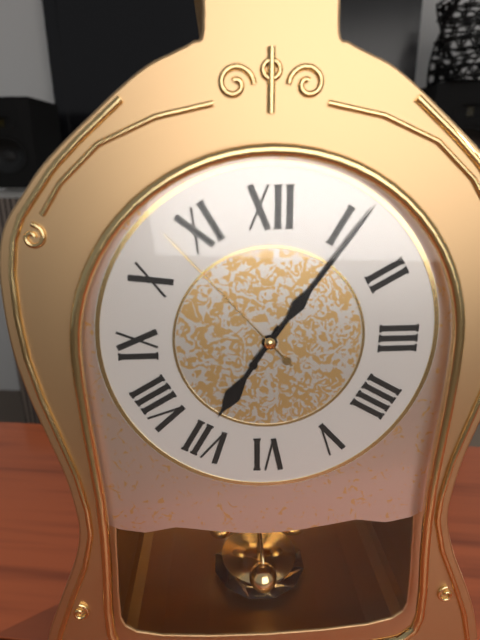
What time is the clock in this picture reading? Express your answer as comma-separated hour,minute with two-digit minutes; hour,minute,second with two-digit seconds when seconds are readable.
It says 7,06,53
